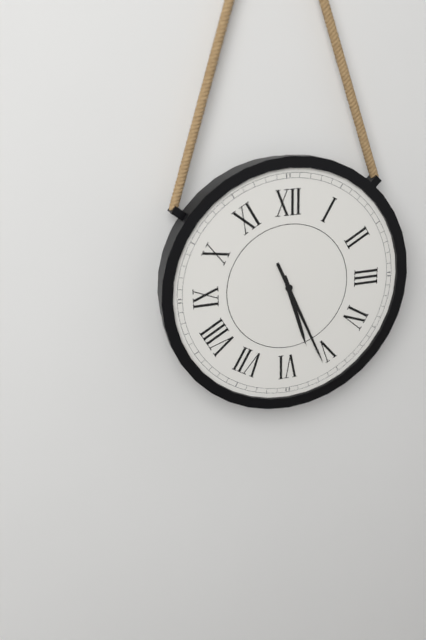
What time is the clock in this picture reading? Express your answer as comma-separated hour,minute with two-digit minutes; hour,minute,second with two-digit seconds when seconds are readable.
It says 5,26
